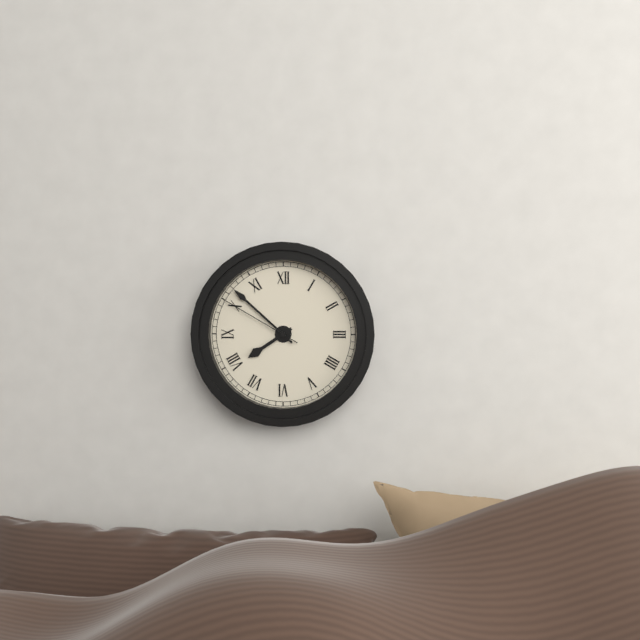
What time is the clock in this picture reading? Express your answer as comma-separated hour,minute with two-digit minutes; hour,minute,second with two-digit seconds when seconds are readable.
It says 7,52,50
